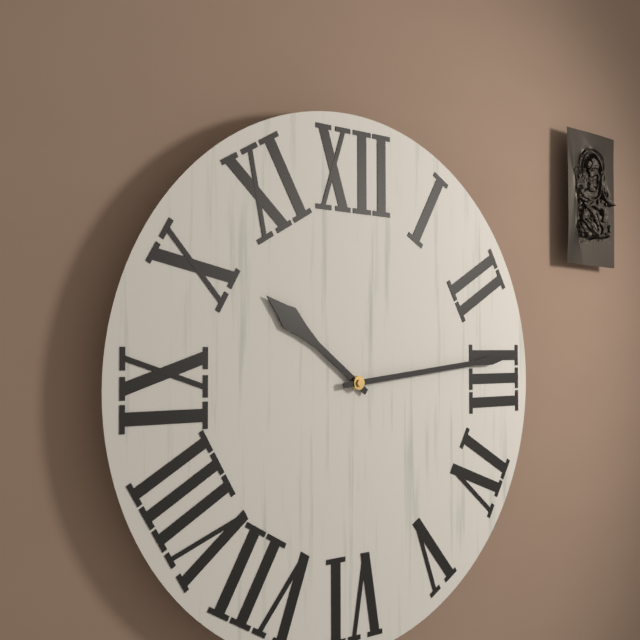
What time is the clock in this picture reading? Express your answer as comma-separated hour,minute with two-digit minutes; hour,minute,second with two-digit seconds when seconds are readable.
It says 10,14
